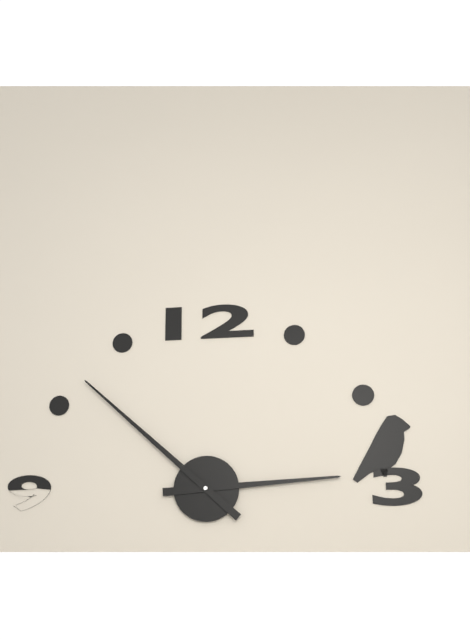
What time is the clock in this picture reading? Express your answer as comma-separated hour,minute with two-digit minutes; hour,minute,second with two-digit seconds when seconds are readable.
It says 2,52
